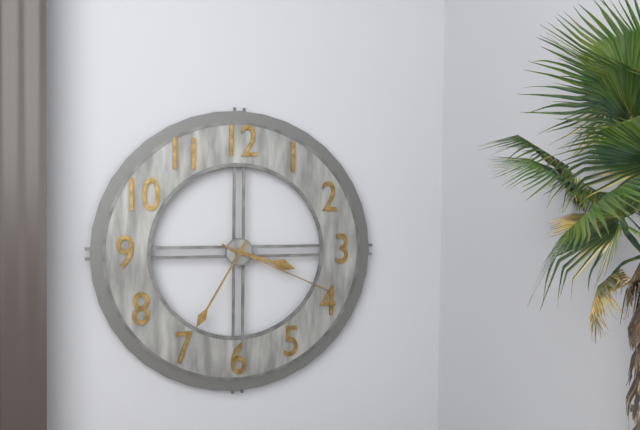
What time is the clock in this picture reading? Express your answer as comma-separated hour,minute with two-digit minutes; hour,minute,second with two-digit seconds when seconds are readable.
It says 3,35,19
